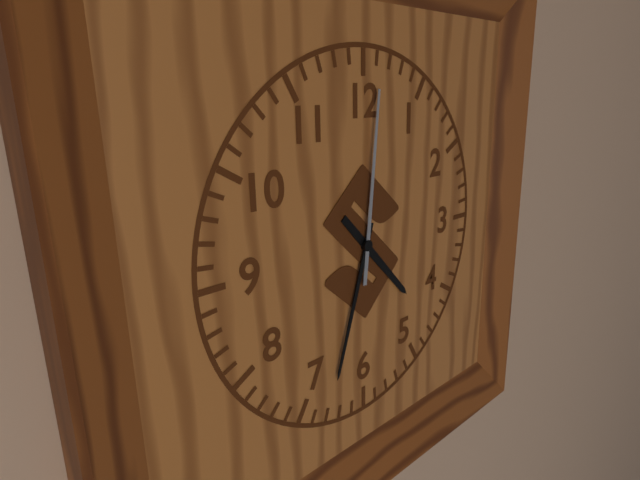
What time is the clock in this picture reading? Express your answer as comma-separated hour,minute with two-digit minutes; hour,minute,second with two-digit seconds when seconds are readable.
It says 4,33,01
